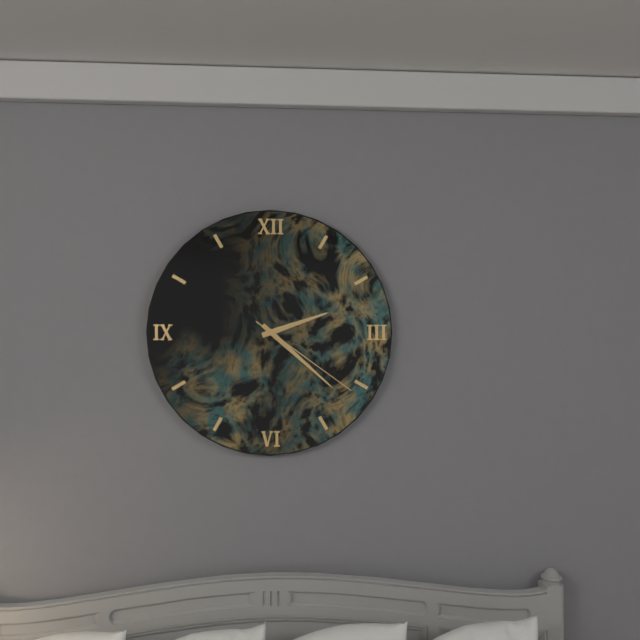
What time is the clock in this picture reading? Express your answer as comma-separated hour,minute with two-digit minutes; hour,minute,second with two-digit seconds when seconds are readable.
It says 2,22,21
